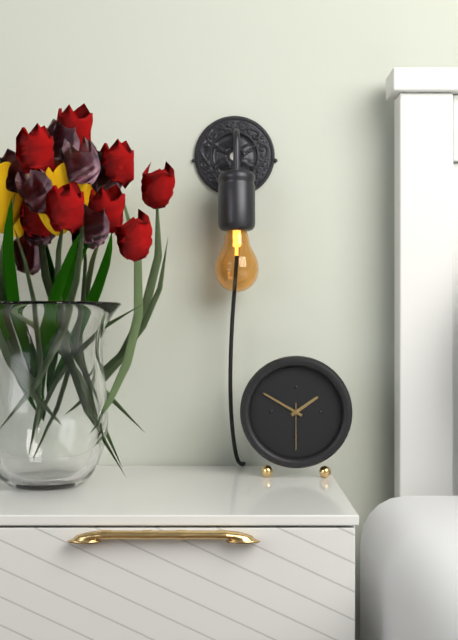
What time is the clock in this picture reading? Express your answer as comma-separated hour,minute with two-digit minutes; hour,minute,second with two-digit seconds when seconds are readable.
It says 1,50
